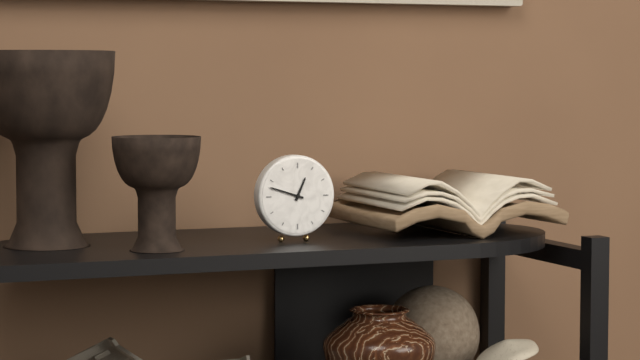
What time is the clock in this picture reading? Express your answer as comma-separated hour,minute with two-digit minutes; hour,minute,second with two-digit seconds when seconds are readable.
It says 12,48
